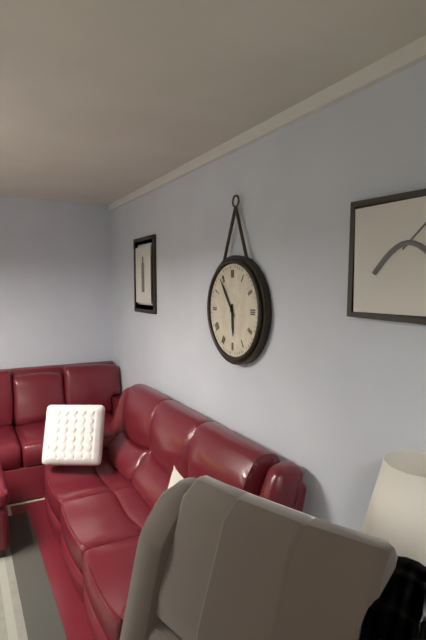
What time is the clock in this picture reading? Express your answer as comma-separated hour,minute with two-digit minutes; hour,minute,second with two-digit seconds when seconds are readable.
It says 5,54
